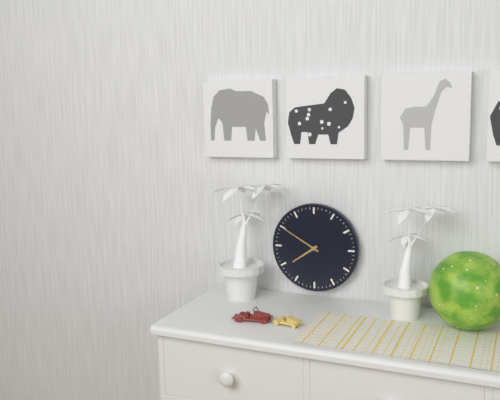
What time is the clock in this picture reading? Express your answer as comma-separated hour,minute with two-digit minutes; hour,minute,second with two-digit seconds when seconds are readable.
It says 7,50
